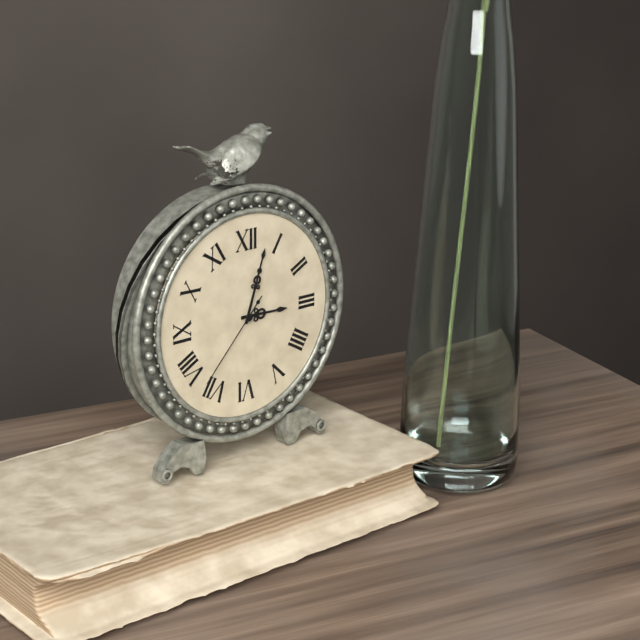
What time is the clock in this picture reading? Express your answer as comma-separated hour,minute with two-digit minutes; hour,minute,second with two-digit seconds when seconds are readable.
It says 3,03,37
